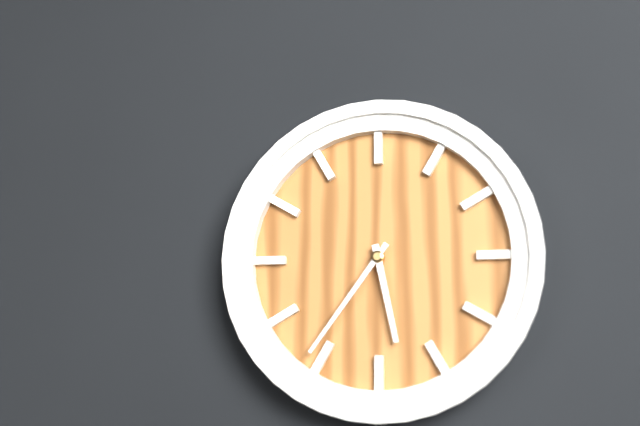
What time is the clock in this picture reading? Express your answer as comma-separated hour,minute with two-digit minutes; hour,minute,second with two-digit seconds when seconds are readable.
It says 5,36
